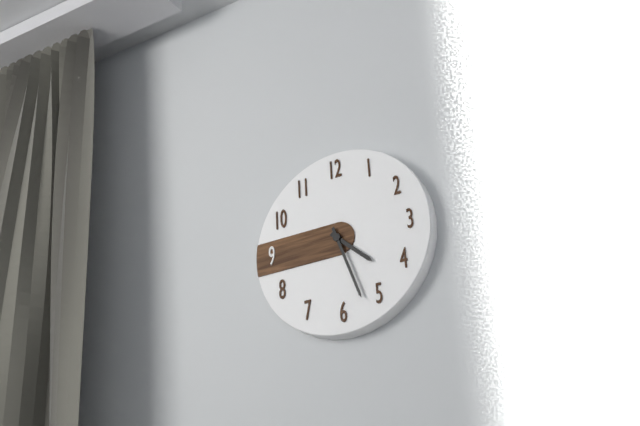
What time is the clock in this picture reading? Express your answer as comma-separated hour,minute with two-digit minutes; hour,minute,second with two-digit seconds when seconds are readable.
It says 4,27
